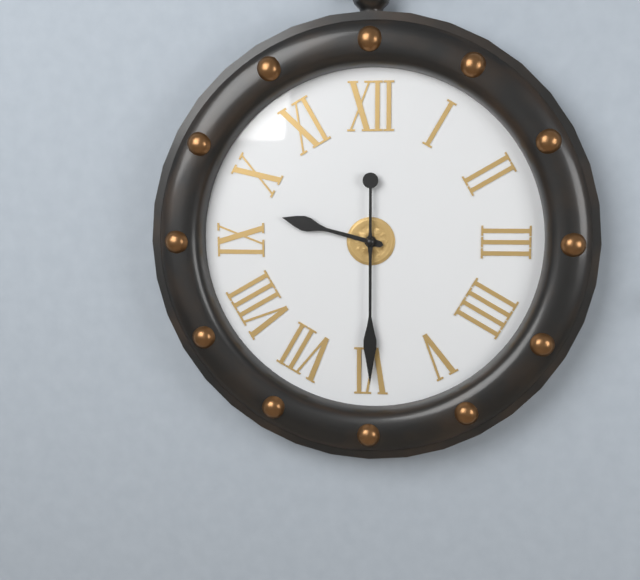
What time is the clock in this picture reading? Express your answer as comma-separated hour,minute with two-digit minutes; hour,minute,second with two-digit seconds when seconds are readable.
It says 9,30
